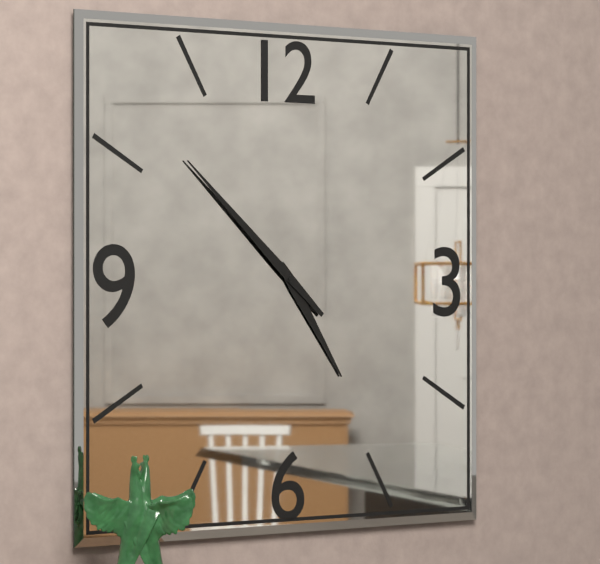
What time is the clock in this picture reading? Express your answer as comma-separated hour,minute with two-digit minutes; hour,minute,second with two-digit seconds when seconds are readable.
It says 4,52
